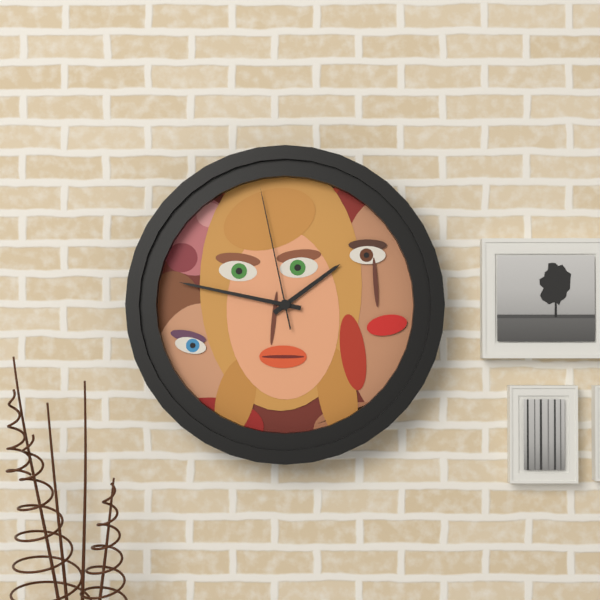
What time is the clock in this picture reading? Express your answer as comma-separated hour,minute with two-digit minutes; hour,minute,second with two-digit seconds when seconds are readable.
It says 1,47,58
